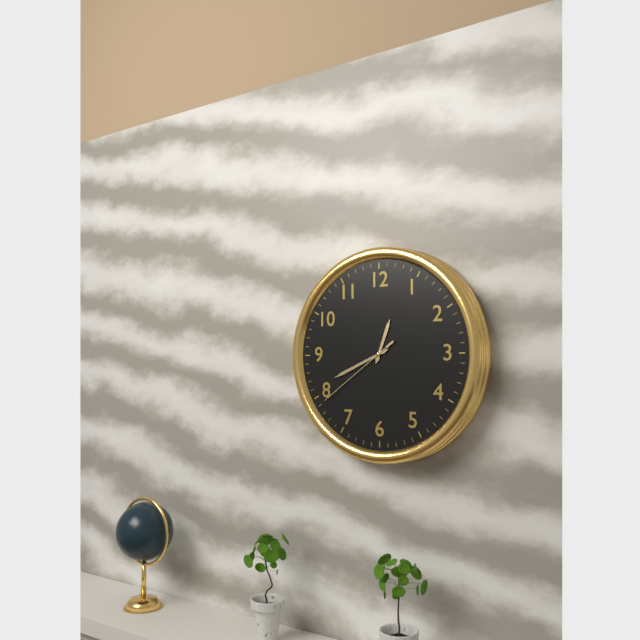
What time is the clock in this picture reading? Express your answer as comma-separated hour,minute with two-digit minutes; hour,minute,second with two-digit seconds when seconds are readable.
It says 12,41,39
